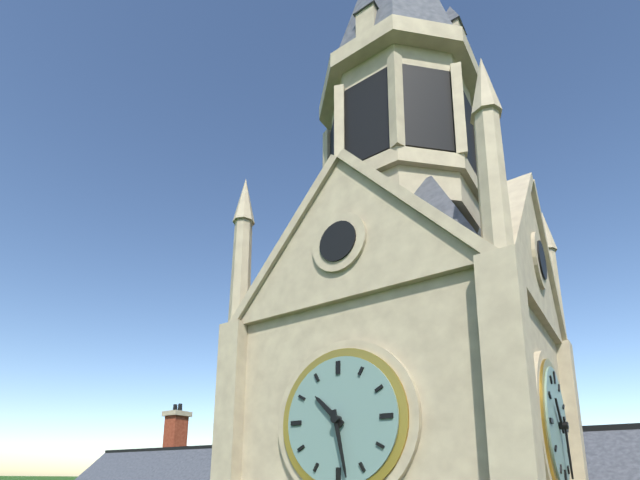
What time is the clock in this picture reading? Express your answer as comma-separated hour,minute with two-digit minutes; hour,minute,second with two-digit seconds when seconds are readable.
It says 10,28
